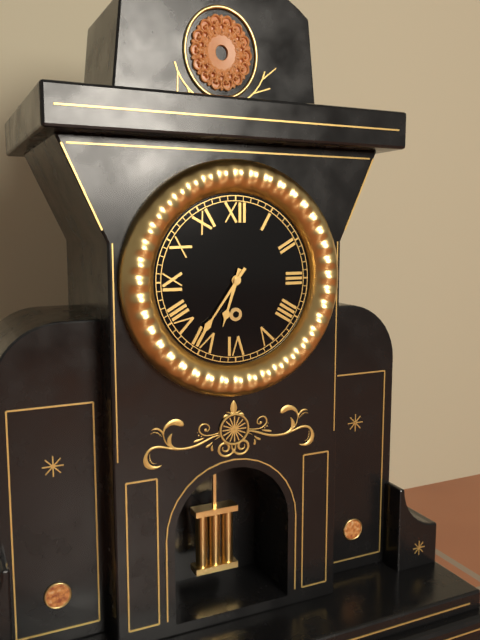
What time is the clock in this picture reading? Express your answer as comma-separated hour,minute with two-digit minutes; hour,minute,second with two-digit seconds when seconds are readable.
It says 6,36
